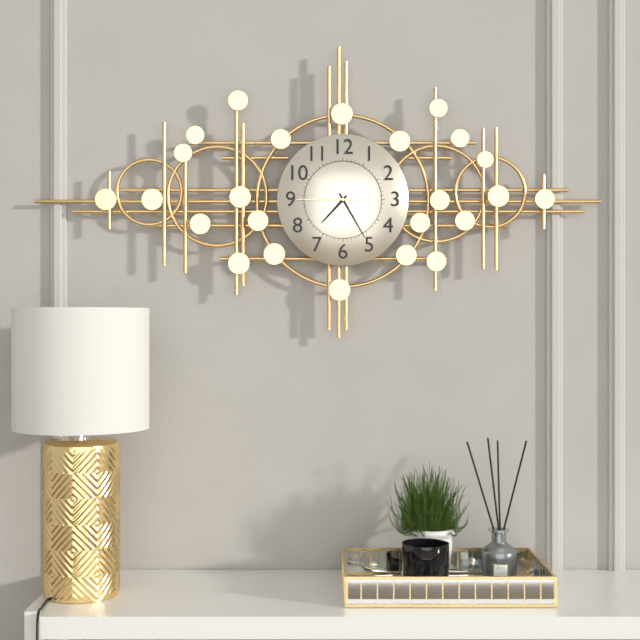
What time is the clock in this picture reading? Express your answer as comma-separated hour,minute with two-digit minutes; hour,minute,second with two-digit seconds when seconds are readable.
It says 7,25,45
